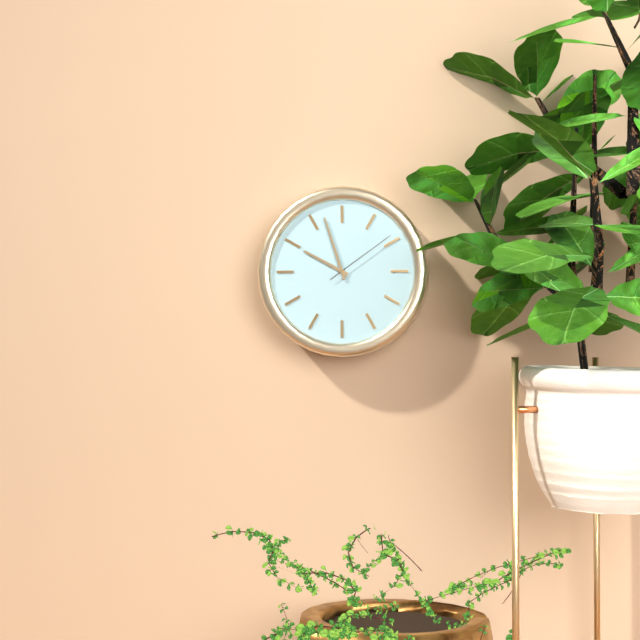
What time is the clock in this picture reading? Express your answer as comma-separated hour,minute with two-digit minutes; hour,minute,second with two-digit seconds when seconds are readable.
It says 9,57,09
